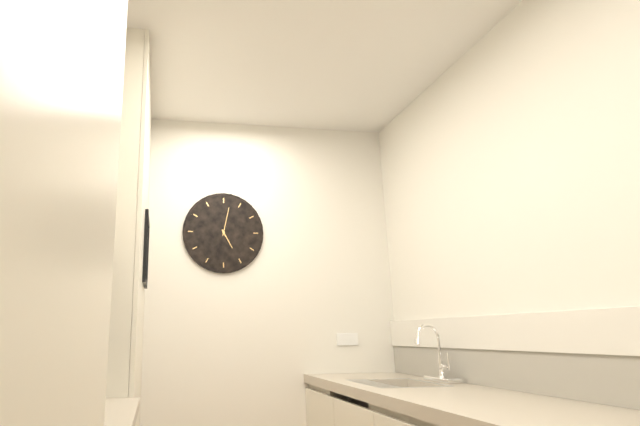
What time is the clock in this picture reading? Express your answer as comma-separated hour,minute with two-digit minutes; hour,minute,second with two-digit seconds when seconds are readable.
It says 5,02
